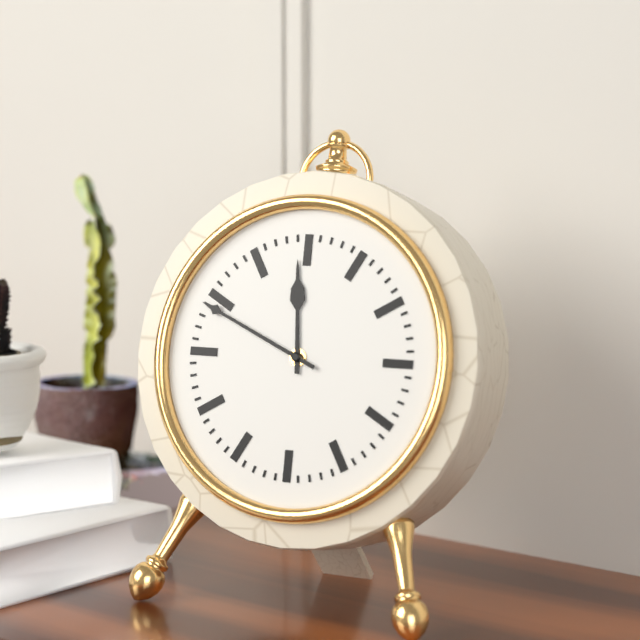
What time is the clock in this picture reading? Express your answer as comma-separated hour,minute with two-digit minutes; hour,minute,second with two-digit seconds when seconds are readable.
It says 11,49
